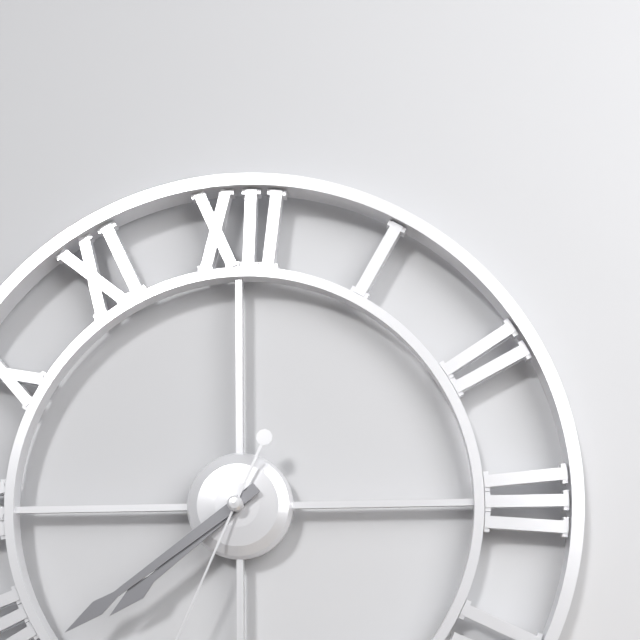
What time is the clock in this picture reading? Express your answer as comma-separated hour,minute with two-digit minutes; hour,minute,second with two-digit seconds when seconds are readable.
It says 7,39
